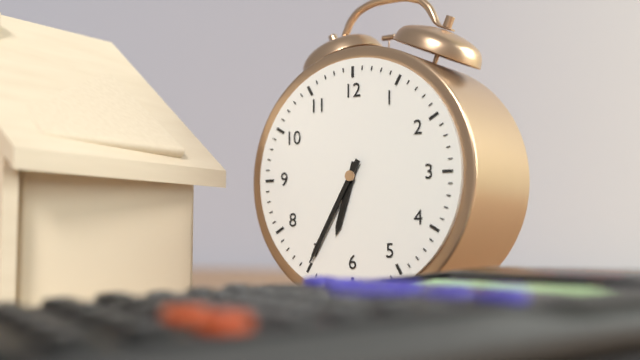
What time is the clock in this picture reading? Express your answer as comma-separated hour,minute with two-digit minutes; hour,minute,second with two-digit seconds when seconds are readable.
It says 6,35
